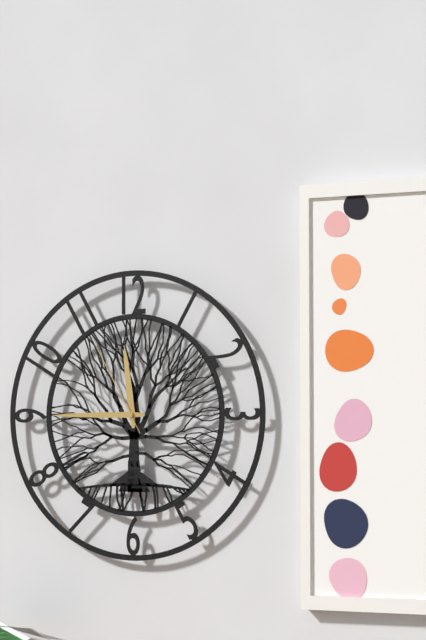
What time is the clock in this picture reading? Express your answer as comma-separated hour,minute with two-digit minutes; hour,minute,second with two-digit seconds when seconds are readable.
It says 11,45,55
